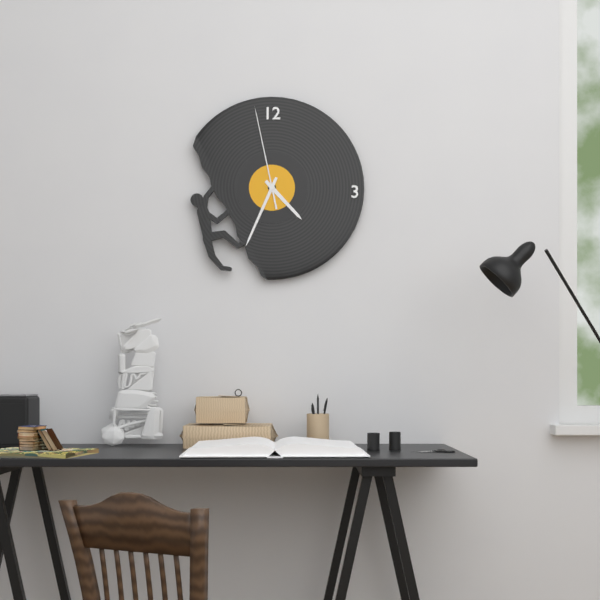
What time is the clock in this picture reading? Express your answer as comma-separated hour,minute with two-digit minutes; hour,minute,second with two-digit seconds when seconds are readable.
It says 4,34,58
